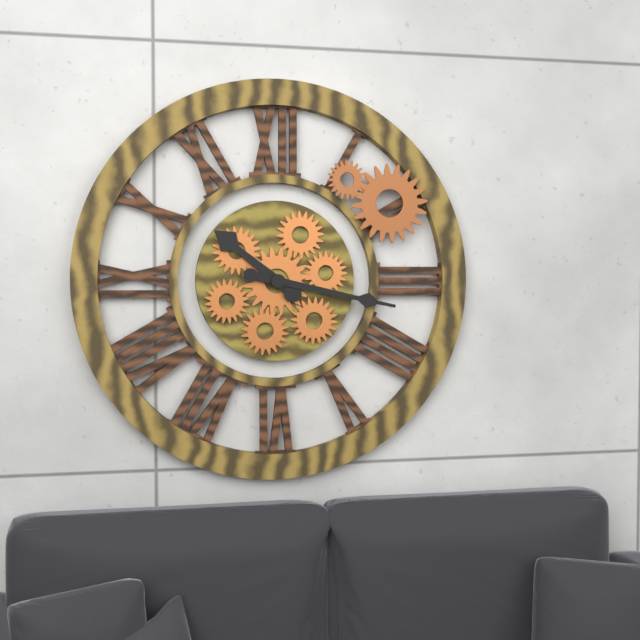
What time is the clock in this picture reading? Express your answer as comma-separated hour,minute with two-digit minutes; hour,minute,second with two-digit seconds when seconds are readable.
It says 10,17
